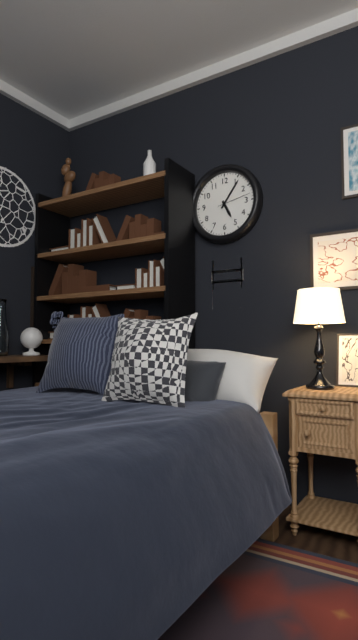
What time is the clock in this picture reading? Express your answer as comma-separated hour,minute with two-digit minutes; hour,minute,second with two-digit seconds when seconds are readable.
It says 5,06
